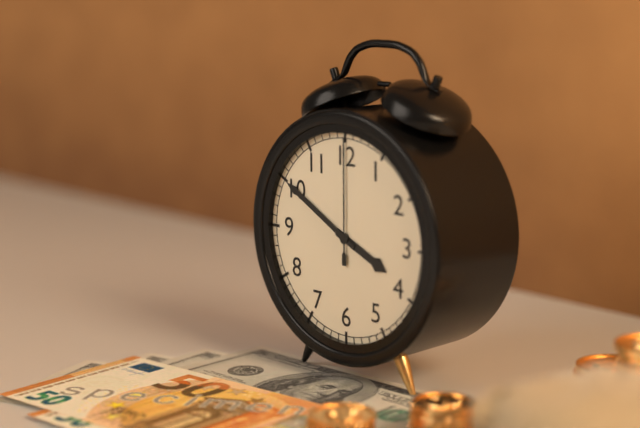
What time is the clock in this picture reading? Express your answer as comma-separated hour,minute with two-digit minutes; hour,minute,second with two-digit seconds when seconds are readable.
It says 3,50,00
